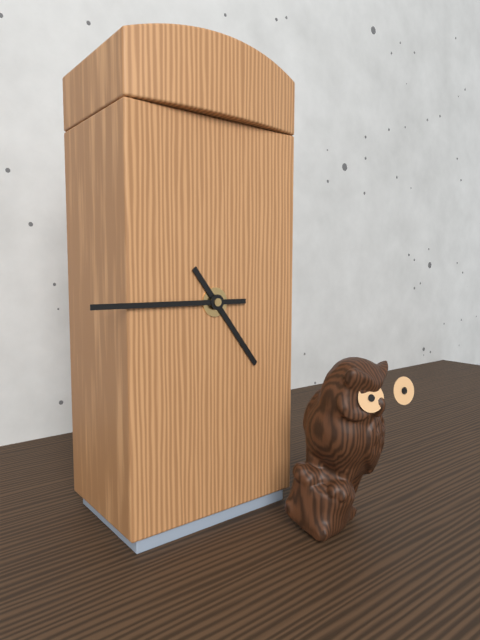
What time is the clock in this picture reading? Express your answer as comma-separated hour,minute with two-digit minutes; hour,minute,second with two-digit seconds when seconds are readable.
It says 4,45
